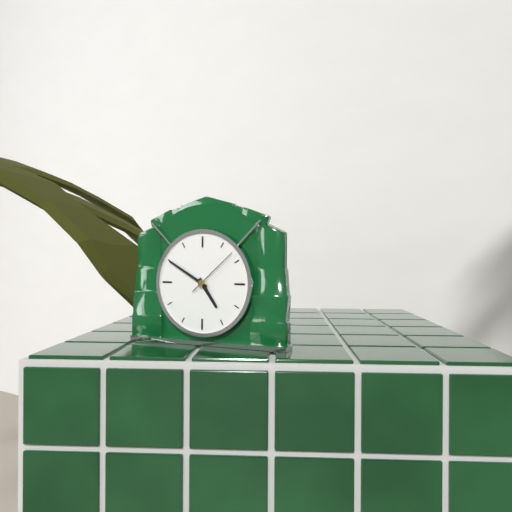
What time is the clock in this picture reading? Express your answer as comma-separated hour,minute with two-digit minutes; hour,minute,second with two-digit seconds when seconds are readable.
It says 4,50,08
